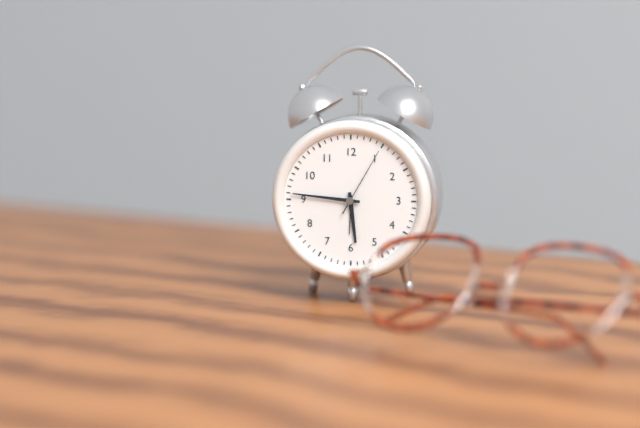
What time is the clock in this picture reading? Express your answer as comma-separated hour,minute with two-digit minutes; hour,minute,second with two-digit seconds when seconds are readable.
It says 5,46,05
